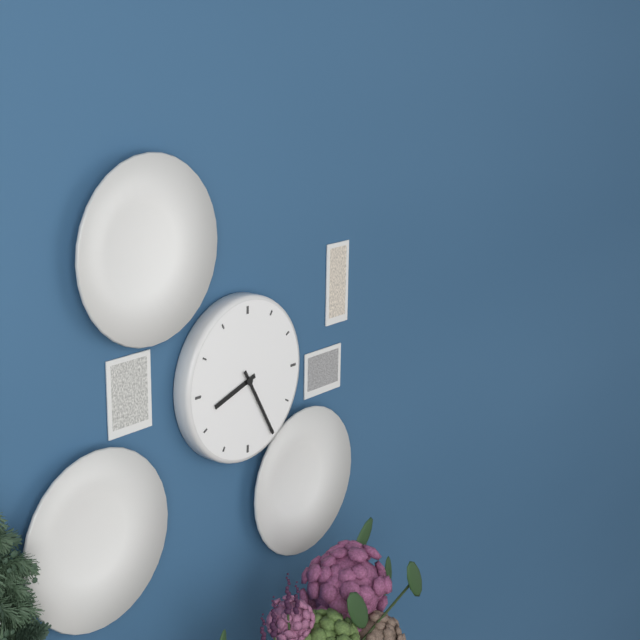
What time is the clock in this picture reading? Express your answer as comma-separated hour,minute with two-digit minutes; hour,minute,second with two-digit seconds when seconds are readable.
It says 8,25
